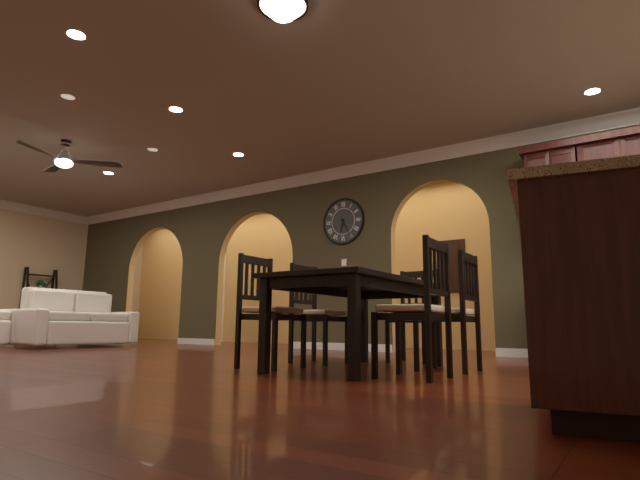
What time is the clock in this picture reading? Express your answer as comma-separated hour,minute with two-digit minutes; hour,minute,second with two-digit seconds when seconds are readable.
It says 6,25
